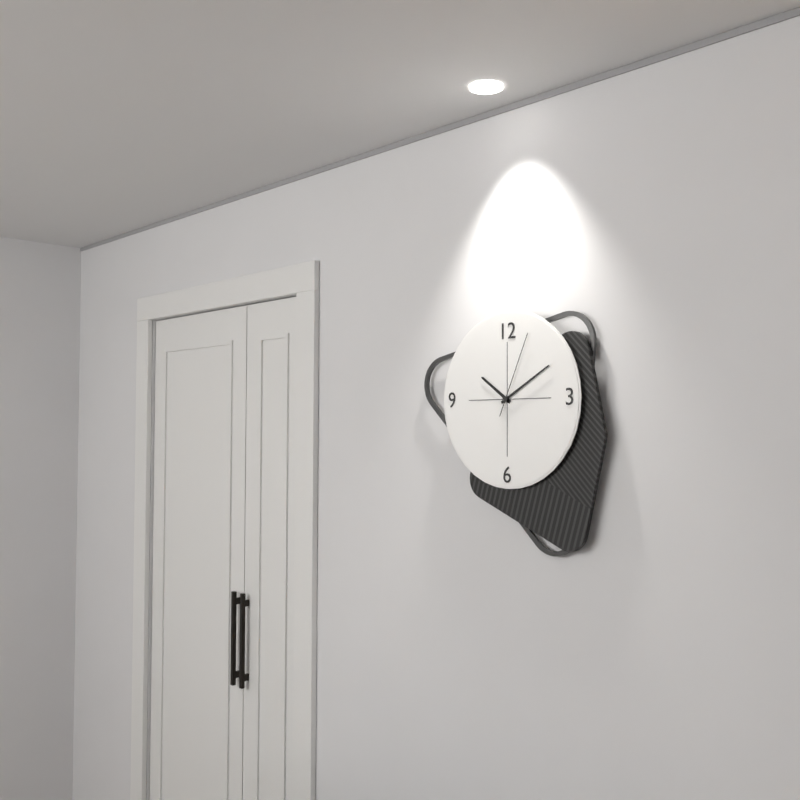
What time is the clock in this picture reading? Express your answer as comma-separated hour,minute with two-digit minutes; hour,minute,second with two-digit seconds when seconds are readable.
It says 10,10,04
